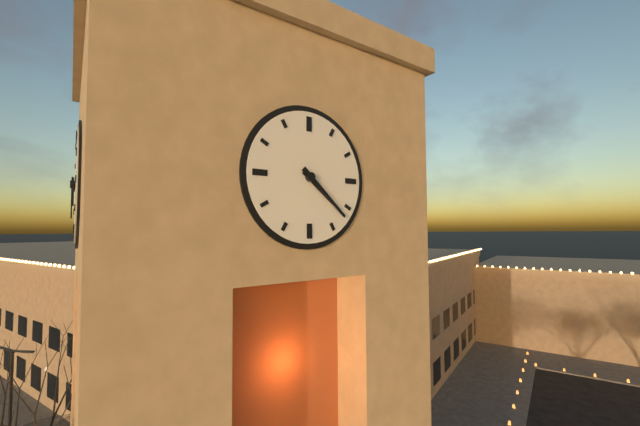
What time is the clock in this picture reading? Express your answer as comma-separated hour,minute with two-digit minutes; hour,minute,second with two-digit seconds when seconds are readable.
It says 4,22
